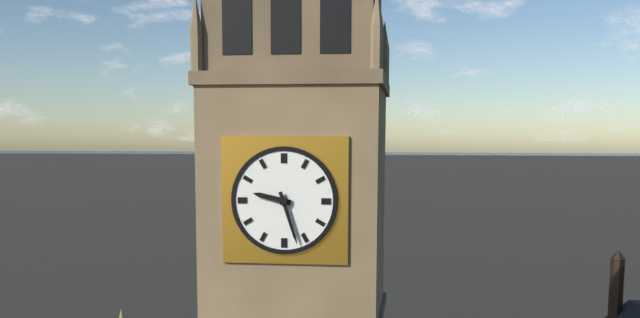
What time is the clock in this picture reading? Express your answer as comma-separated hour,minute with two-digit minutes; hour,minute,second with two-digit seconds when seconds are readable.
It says 9,27
